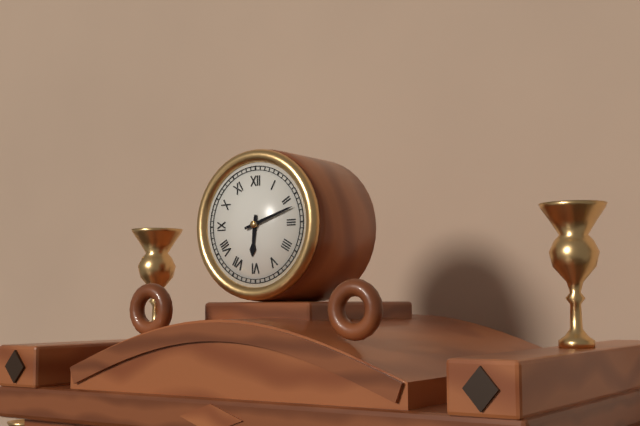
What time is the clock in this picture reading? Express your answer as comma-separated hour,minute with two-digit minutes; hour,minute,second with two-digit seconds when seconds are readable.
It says 6,12
